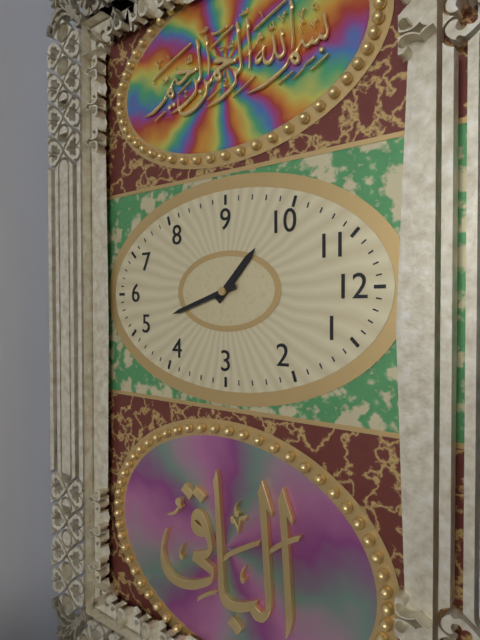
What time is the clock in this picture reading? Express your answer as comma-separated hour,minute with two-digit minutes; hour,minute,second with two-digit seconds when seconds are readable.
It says 10,27
